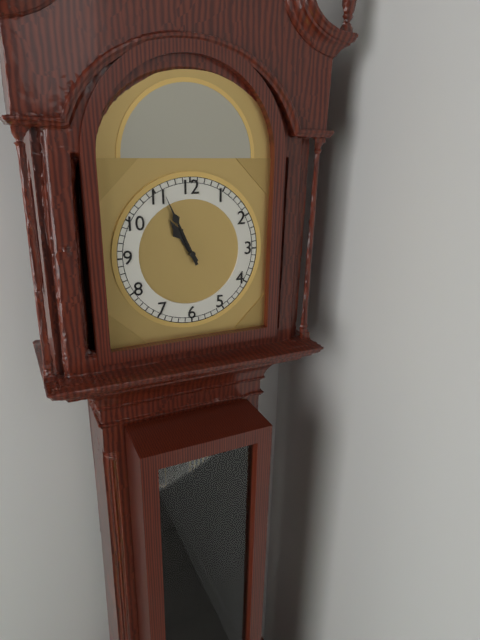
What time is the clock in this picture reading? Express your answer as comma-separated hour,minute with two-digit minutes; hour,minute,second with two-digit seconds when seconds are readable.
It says 10,56
